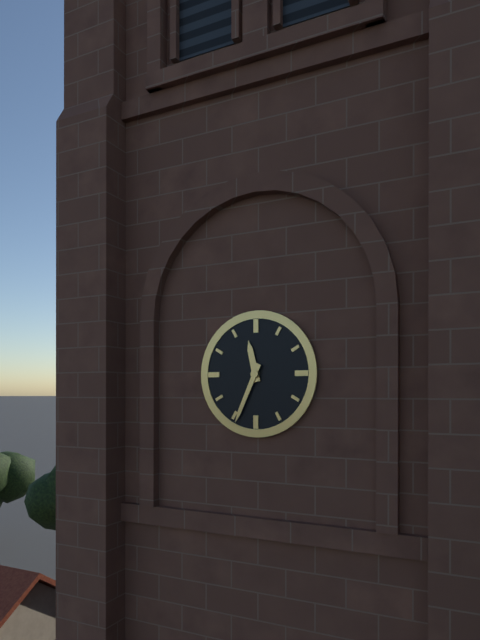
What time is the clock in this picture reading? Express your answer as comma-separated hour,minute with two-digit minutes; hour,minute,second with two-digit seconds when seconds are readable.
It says 11,34
